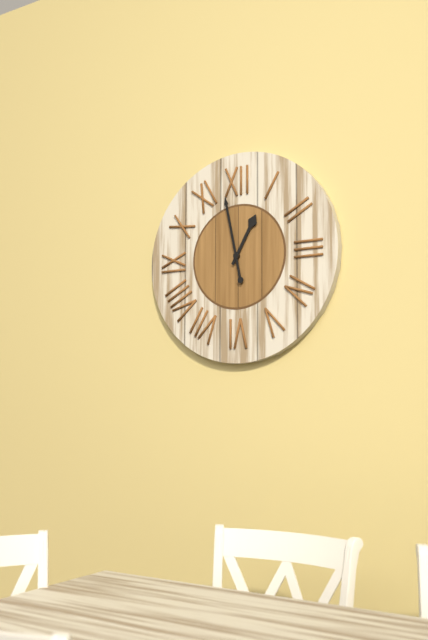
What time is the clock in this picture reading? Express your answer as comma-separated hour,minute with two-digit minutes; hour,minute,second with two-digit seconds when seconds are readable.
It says 12,58
